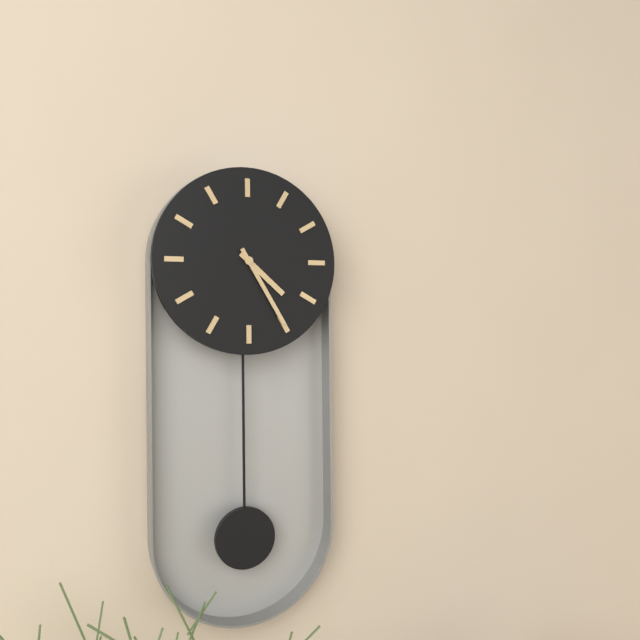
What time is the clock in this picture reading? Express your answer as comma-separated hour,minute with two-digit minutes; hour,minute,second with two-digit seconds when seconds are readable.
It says 4,25
